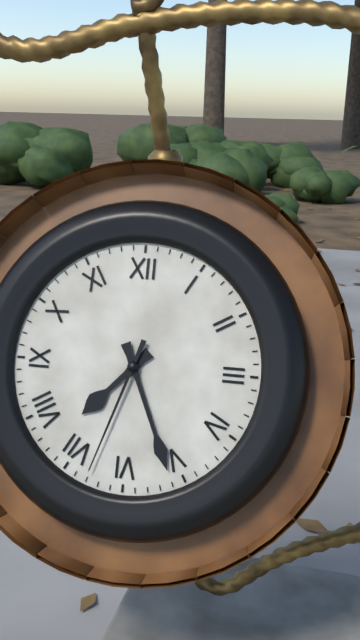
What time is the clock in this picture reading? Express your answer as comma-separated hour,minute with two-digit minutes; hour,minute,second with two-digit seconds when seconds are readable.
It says 7,26,33
